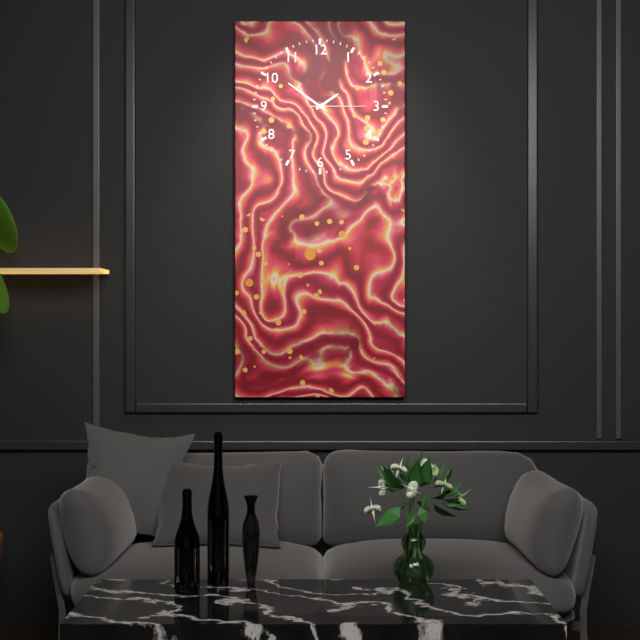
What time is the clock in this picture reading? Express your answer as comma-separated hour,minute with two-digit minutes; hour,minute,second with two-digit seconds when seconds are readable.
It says 1,51,15
